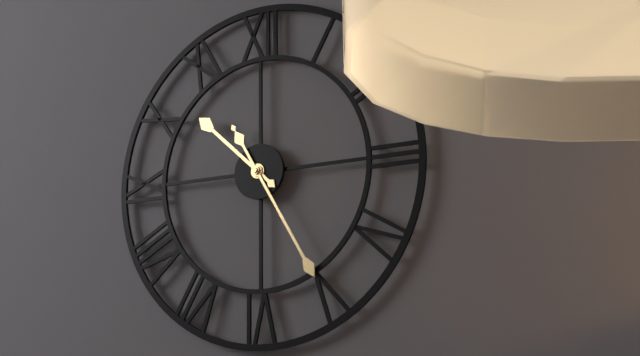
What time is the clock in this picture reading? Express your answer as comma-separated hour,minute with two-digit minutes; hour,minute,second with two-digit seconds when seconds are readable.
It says 10,25
